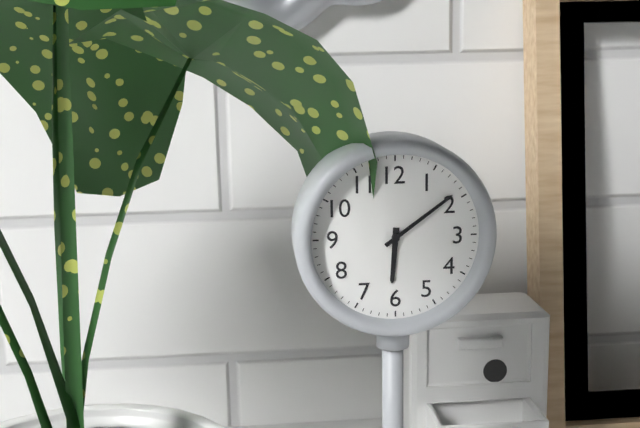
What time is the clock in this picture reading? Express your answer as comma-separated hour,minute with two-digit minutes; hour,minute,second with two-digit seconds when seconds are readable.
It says 6,09
